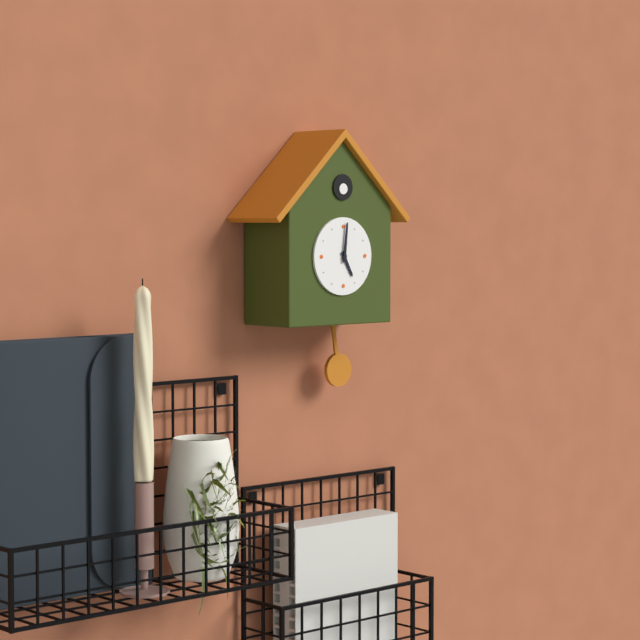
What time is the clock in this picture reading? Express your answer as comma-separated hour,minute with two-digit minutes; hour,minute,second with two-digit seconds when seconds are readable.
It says 5,01
